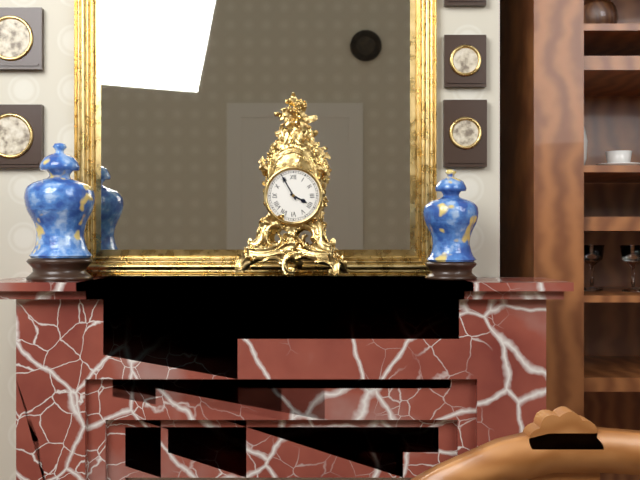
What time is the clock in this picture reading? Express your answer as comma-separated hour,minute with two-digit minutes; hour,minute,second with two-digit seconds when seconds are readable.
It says 3,55
